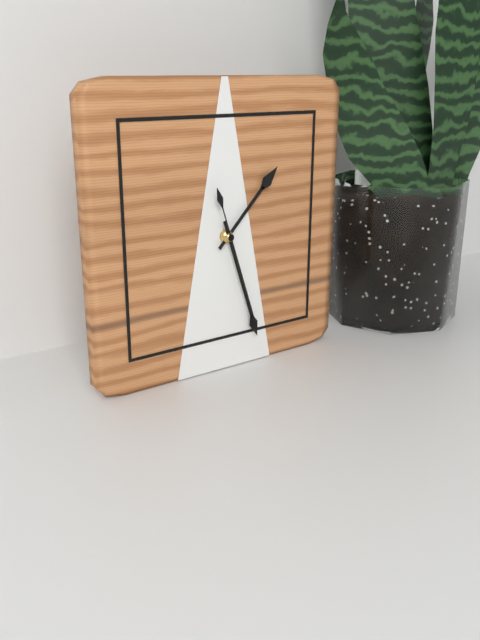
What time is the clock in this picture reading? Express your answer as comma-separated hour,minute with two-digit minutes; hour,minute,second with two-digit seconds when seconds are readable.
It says 1,27,27
